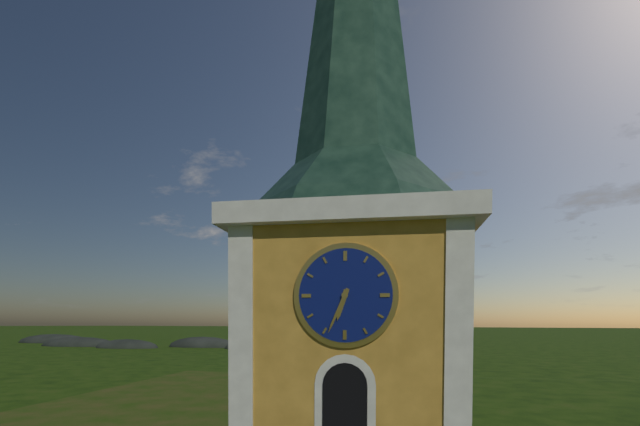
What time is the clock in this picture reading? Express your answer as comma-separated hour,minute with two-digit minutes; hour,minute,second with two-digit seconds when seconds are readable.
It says 6,34
